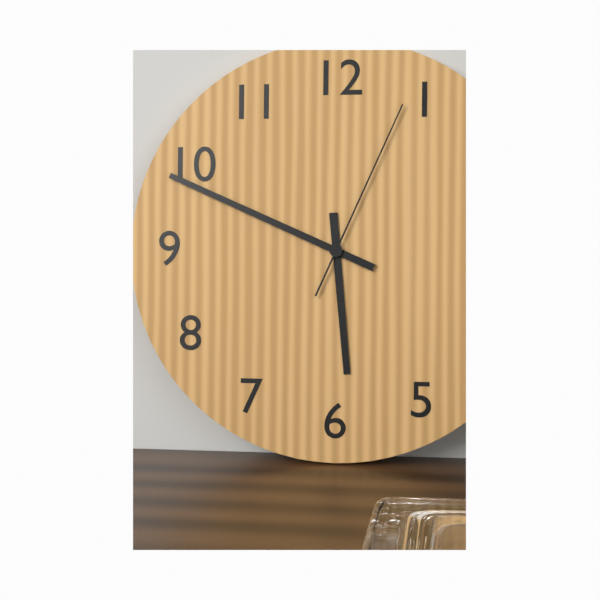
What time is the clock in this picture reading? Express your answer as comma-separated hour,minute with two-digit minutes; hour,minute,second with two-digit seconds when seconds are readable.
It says 5,49,04
